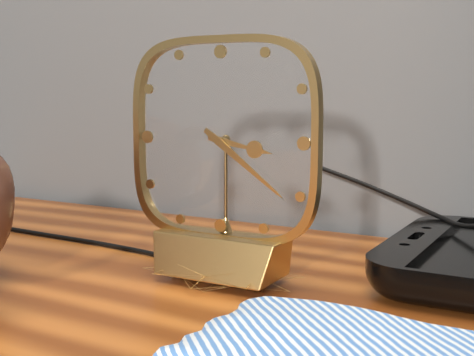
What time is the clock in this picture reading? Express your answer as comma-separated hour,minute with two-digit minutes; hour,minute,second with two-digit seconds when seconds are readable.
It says 3,21
